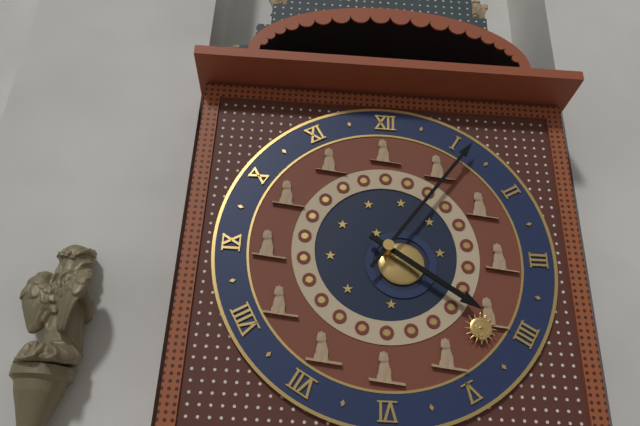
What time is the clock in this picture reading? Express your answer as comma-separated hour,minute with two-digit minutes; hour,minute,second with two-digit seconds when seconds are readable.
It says 4,06
